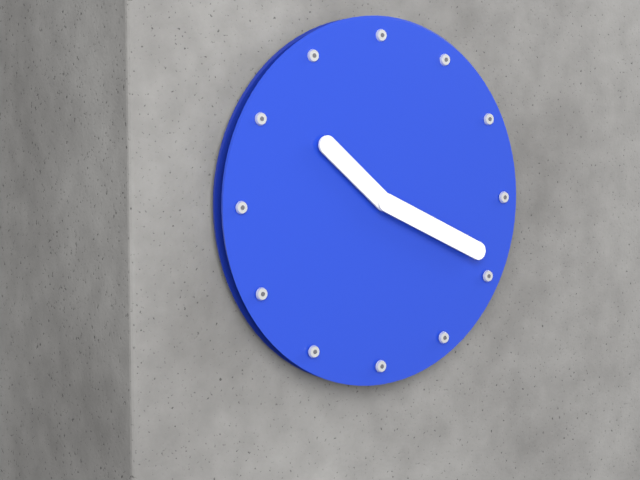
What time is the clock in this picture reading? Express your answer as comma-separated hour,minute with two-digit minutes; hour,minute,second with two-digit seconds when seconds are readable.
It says 10,19
